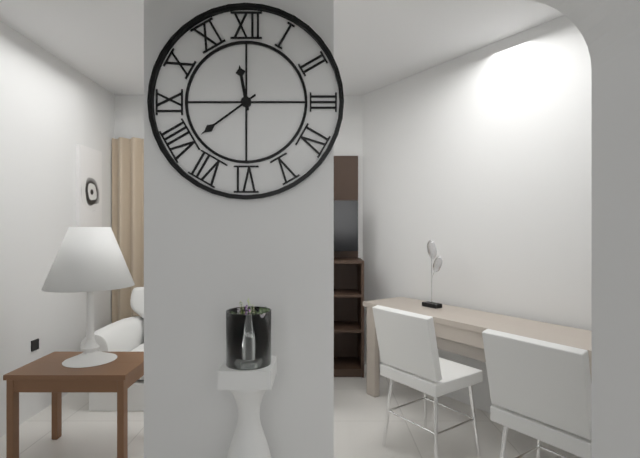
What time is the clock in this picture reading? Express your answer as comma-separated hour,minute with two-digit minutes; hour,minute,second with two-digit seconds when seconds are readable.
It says 11,39
